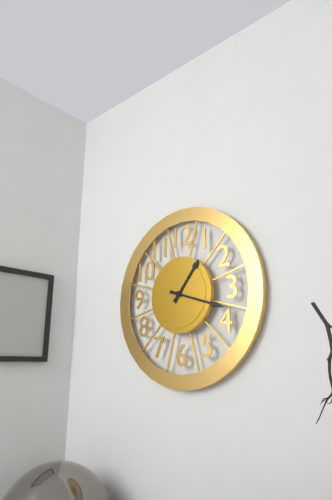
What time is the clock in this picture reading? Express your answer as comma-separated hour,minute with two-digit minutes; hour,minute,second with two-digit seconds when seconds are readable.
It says 1,18
